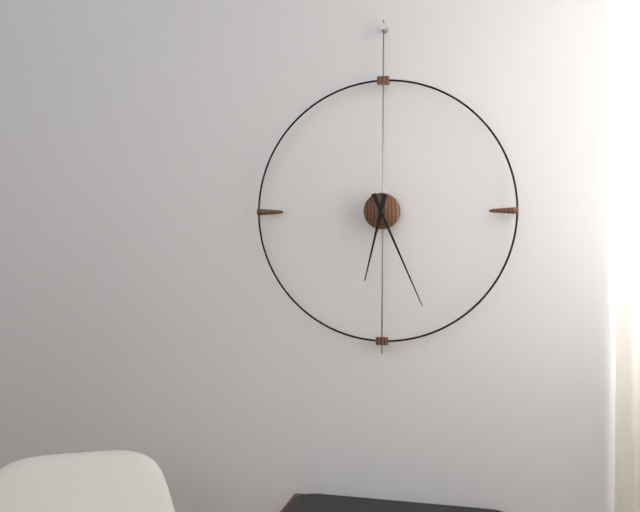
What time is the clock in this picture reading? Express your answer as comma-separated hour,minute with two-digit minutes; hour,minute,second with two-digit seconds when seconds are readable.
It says 6,26
